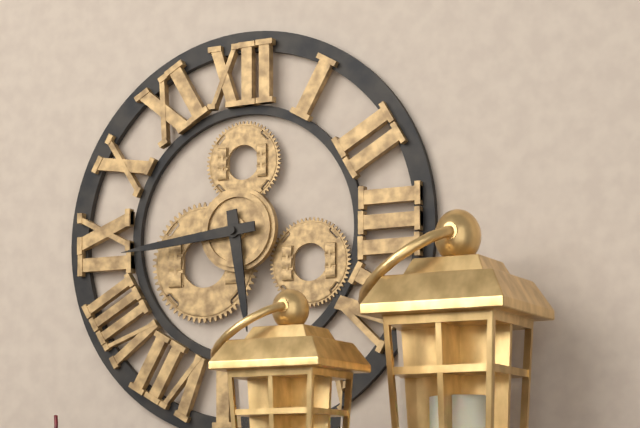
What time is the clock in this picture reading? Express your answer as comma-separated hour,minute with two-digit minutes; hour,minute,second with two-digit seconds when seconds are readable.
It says 5,44
